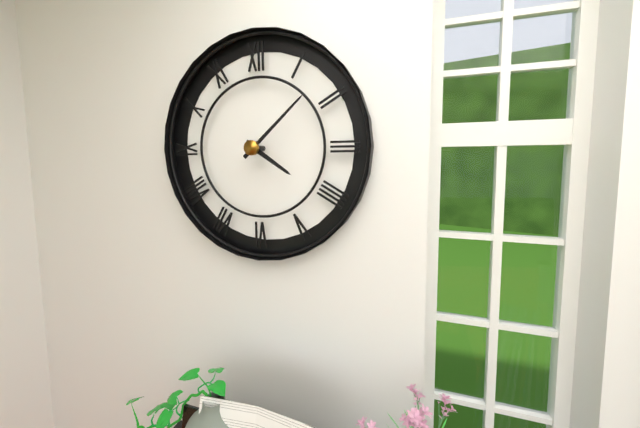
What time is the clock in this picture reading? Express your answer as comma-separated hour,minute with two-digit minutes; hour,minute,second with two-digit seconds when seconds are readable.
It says 4,08
